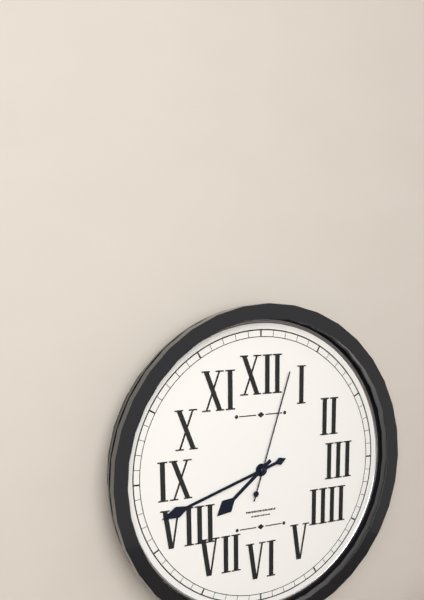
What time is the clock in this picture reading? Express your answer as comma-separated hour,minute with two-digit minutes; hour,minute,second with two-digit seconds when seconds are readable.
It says 7,42,03
